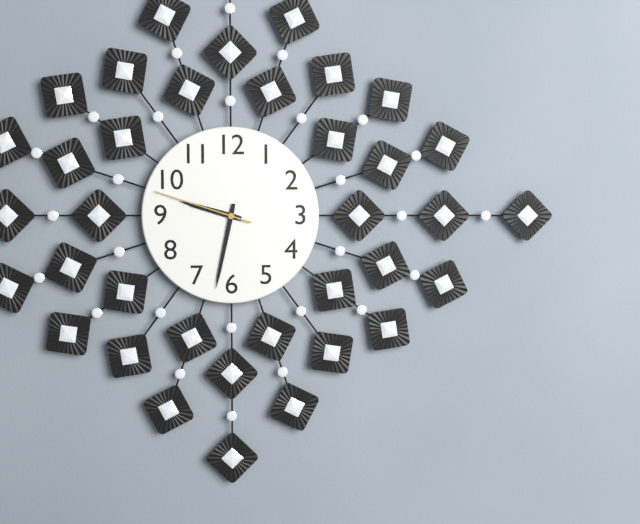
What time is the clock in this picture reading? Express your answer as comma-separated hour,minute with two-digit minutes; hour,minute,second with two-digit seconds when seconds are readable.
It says 9,32,48
